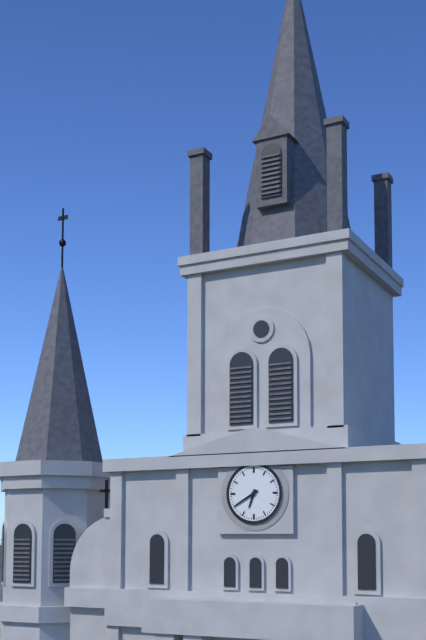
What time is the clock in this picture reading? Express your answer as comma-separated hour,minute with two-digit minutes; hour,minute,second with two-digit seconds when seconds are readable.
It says 6,40
